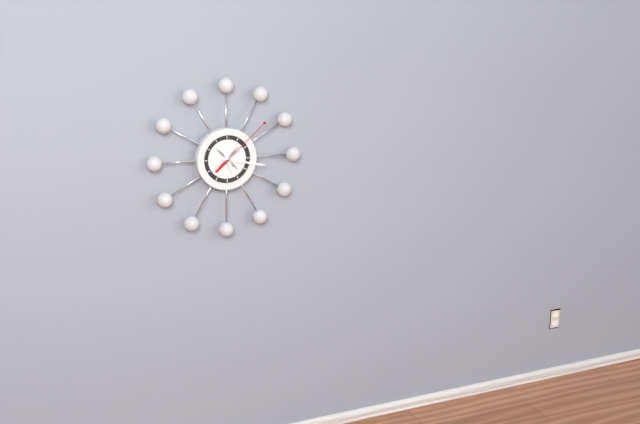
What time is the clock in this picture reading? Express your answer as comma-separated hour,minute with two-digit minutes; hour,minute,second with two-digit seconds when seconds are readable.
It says 5,17,08
